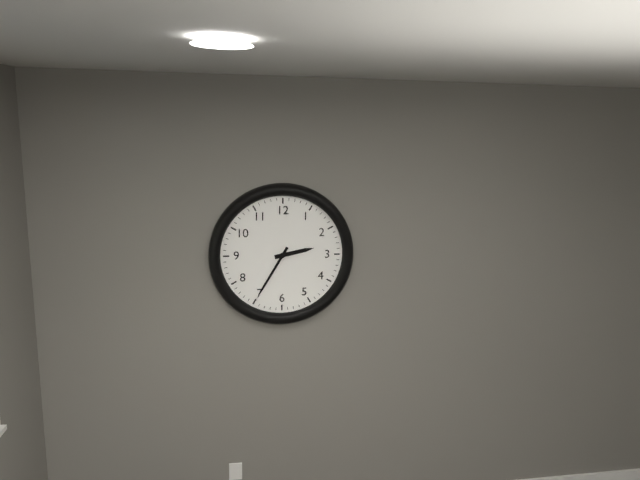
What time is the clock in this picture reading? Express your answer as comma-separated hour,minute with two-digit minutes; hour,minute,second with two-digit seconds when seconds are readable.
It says 2,35
